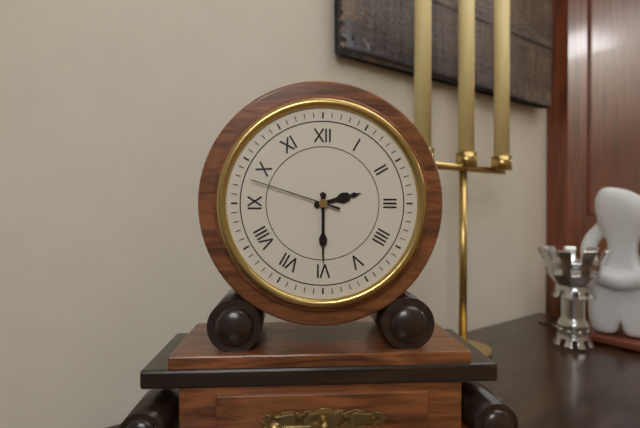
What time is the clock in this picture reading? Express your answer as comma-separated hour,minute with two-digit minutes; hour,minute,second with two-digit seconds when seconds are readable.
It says 2,30,48
